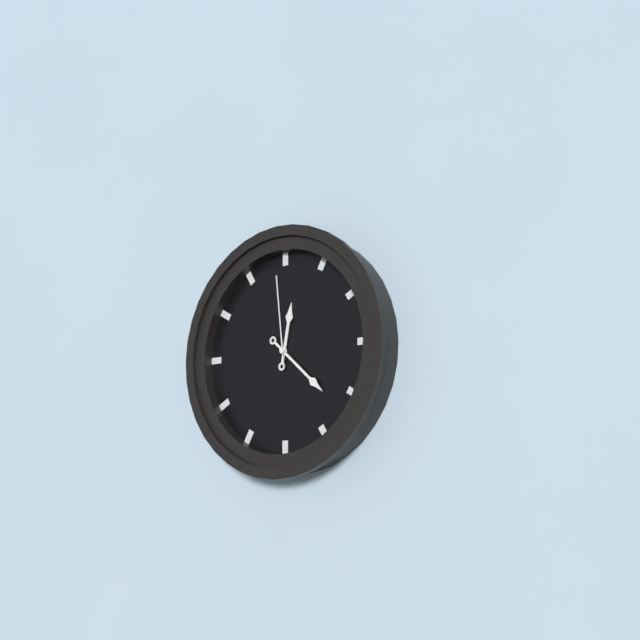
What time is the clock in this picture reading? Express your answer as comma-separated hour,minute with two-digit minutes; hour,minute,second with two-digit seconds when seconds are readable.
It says 12,22,59
